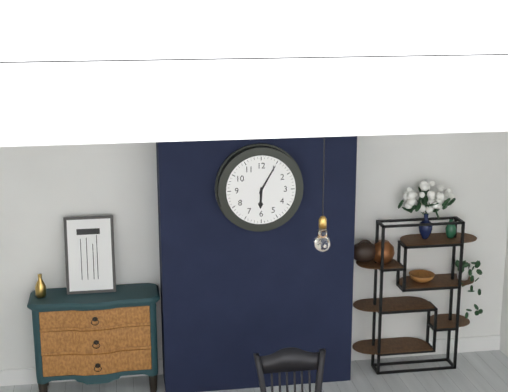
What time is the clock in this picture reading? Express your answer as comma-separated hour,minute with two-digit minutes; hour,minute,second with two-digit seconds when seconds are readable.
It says 6,05
